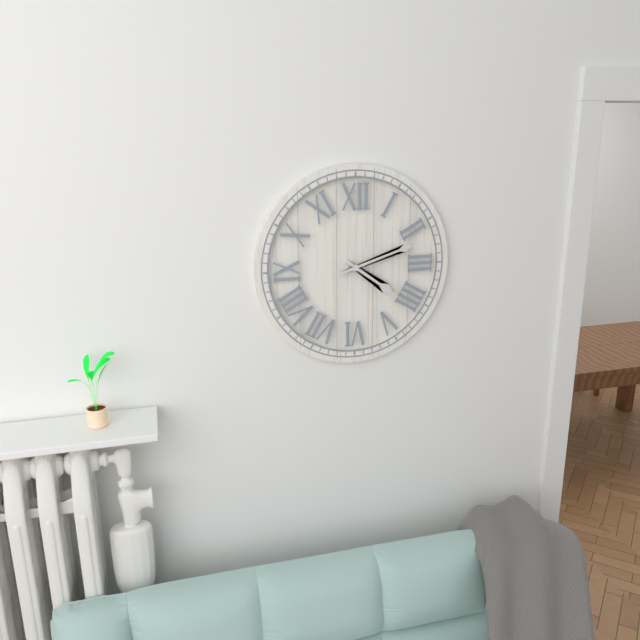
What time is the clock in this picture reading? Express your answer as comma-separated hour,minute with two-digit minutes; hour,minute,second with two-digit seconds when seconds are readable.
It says 4,12
